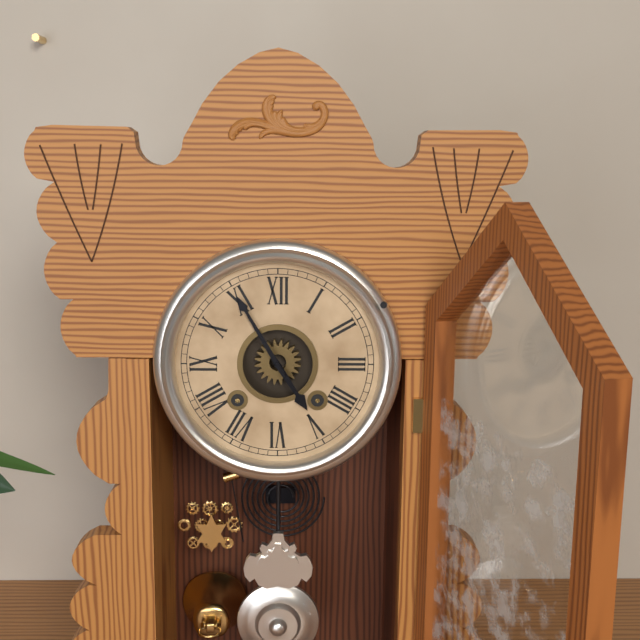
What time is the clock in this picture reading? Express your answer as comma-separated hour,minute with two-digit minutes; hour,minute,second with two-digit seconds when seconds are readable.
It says 4,55
